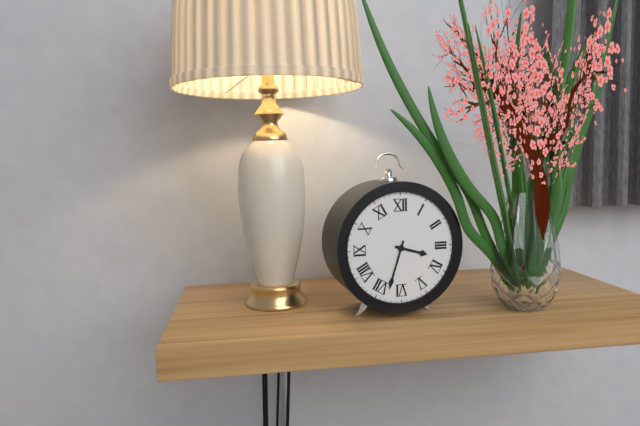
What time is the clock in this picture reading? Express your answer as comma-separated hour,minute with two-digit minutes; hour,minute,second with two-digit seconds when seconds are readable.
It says 3,33
